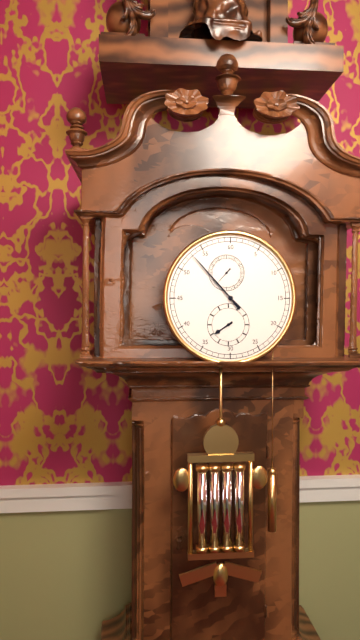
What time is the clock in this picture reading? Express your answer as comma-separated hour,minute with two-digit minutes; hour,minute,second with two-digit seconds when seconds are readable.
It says 7,53
